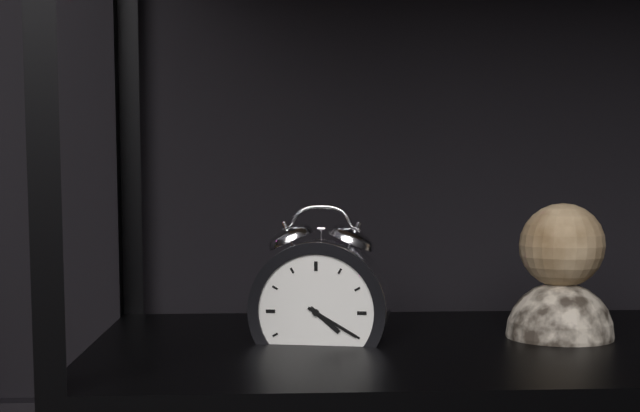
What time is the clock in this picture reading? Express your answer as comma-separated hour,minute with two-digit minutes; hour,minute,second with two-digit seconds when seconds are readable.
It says 4,20
